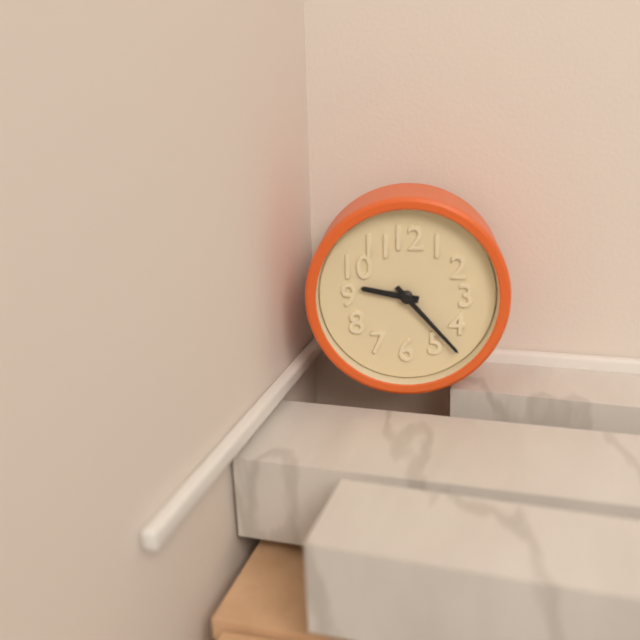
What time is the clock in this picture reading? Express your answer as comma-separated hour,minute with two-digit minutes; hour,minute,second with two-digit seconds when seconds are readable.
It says 9,23
